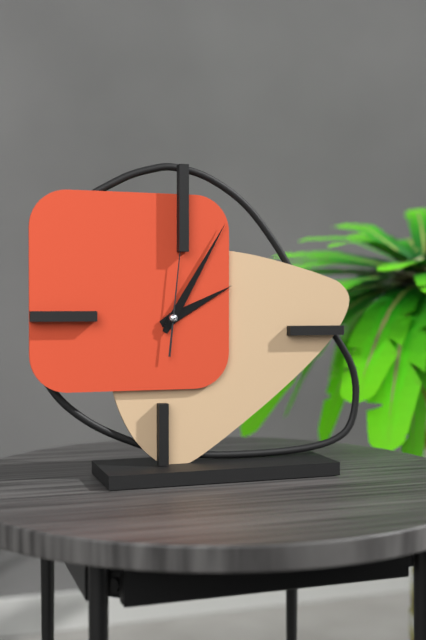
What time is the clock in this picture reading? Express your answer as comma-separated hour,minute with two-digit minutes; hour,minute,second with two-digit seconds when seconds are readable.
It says 2,05,01
